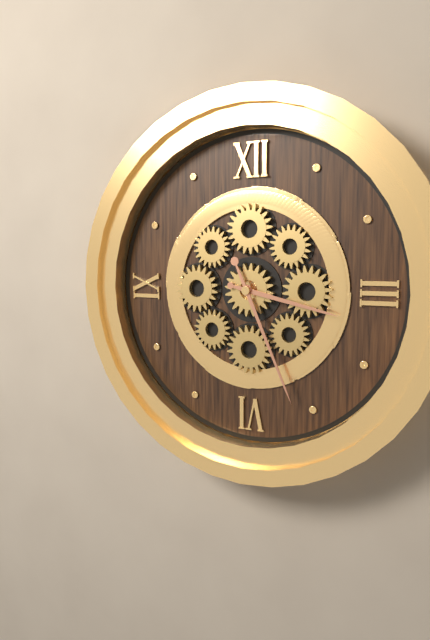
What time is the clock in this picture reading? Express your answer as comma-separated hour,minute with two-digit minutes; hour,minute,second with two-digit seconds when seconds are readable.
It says 3,26
